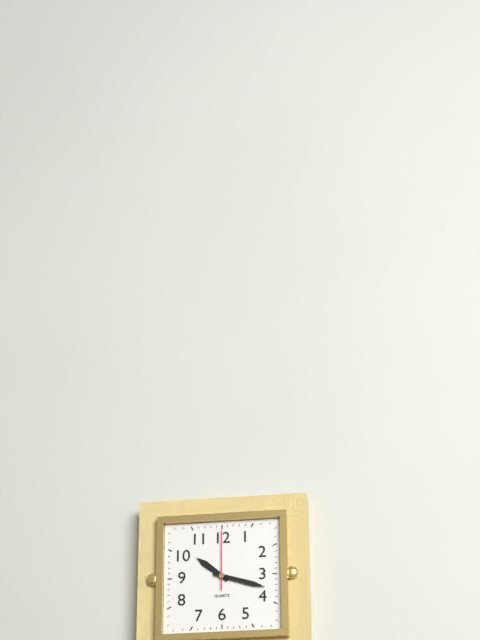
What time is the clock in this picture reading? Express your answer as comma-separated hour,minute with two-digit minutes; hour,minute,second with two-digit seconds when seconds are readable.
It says 10,18,00
